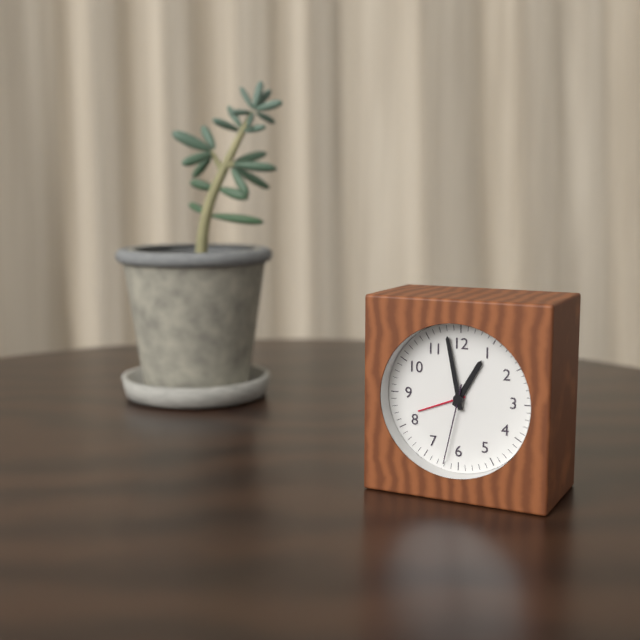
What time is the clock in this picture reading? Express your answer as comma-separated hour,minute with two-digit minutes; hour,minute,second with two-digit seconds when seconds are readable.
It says 12,58,32
